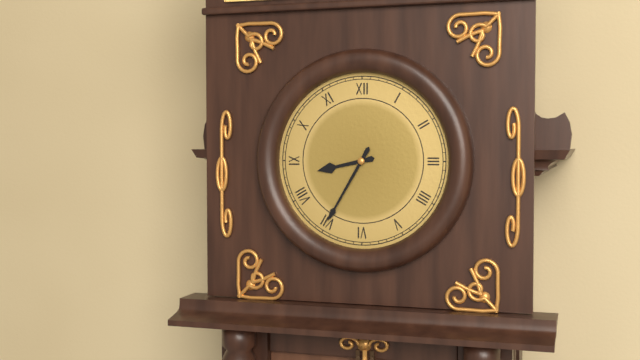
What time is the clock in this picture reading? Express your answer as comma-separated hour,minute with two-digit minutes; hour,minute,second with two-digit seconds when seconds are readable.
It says 8,35
